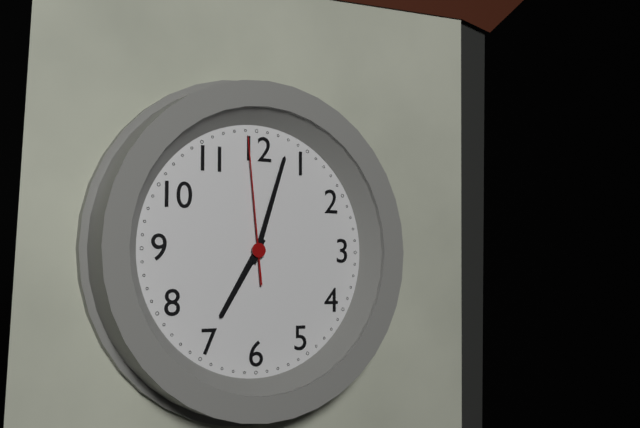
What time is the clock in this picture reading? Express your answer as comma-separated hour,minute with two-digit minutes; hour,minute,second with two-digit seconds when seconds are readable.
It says 7,03,59
